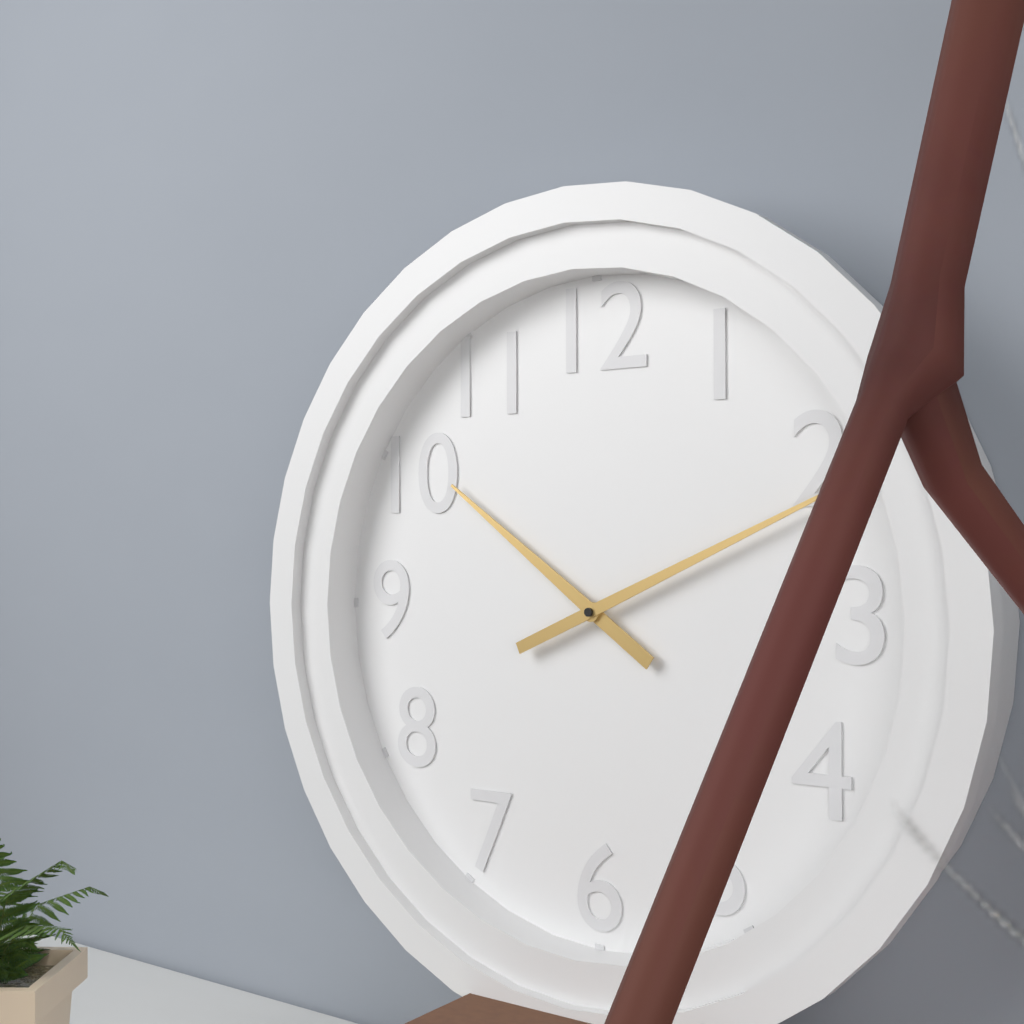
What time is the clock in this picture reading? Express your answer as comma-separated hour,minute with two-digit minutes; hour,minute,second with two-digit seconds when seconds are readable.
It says 10,11
